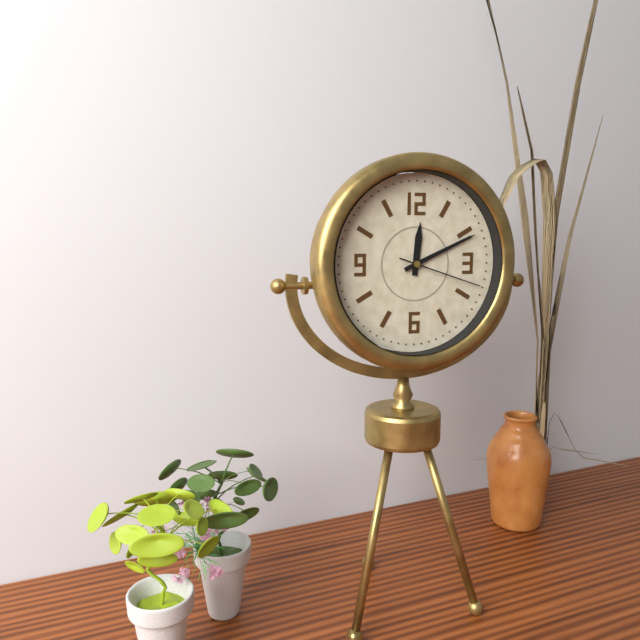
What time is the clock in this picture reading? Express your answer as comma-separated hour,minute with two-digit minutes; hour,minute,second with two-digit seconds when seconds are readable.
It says 12,11,18
